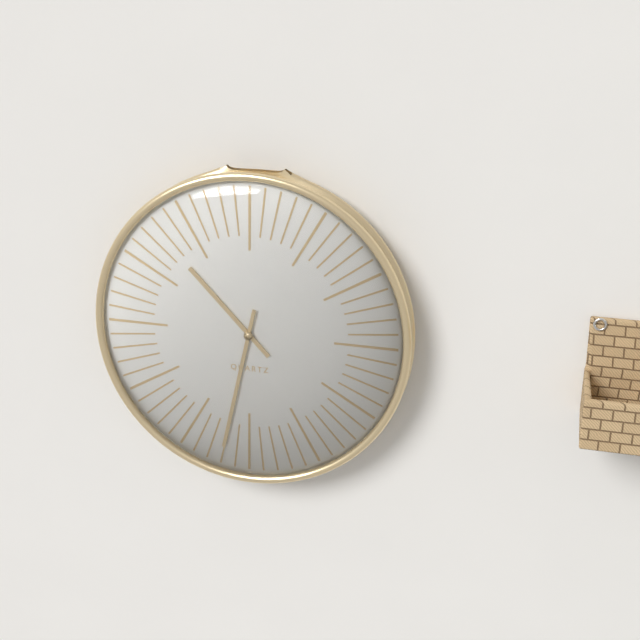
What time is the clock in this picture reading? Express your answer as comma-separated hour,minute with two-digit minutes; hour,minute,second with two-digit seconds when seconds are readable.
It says 10,32
